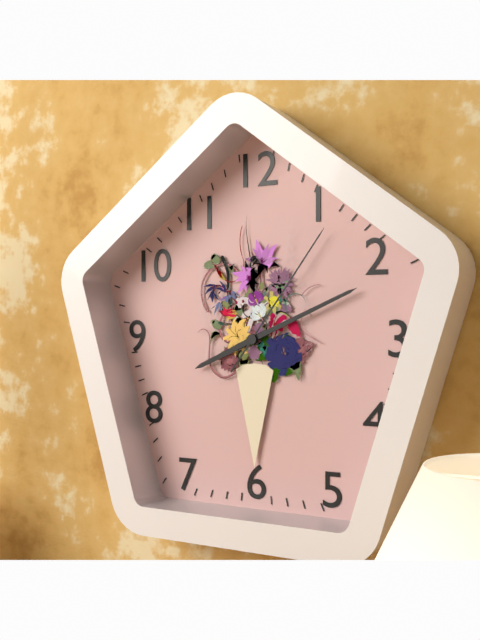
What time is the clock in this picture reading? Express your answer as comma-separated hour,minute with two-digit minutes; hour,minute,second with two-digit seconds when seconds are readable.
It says 8,11,06
